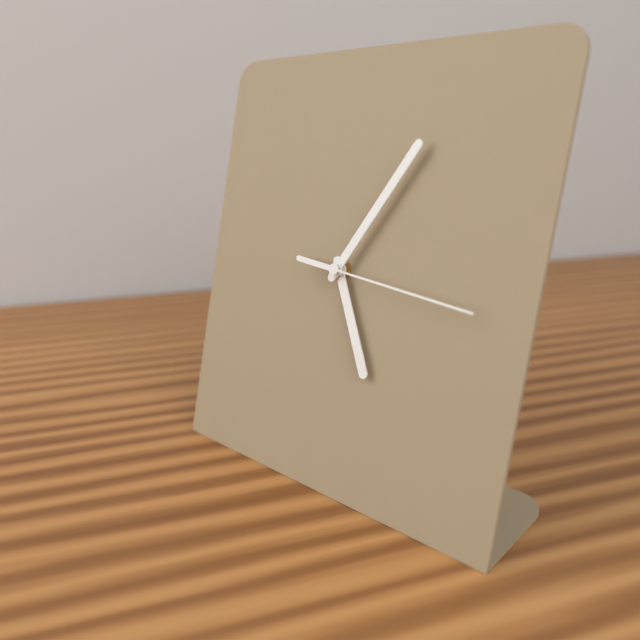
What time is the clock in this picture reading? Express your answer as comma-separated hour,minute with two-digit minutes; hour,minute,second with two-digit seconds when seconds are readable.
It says 5,05,16
